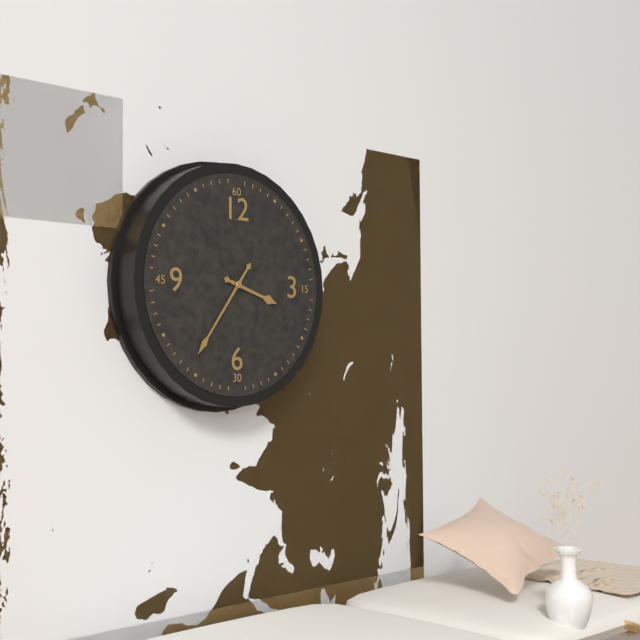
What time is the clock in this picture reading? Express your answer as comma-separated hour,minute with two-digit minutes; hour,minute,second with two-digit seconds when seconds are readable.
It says 3,36
